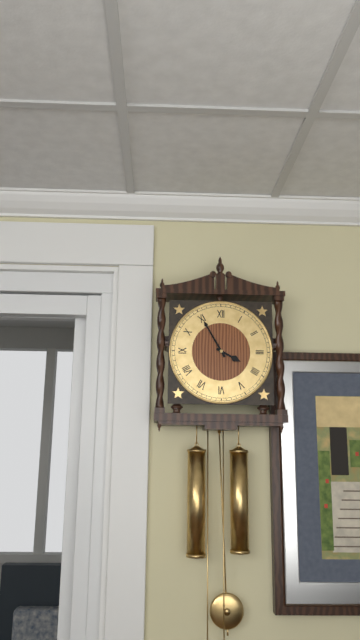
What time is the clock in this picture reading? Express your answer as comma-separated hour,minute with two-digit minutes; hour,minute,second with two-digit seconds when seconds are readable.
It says 3,55
